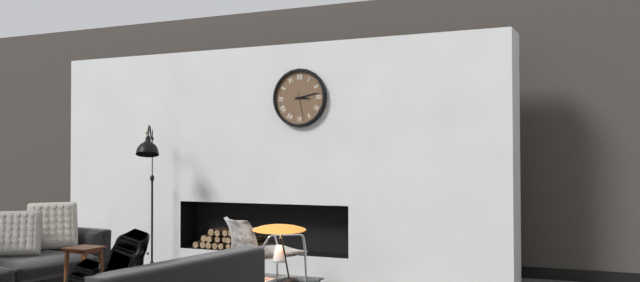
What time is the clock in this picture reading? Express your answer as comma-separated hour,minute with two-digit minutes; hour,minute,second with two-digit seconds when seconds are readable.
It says 3,13
